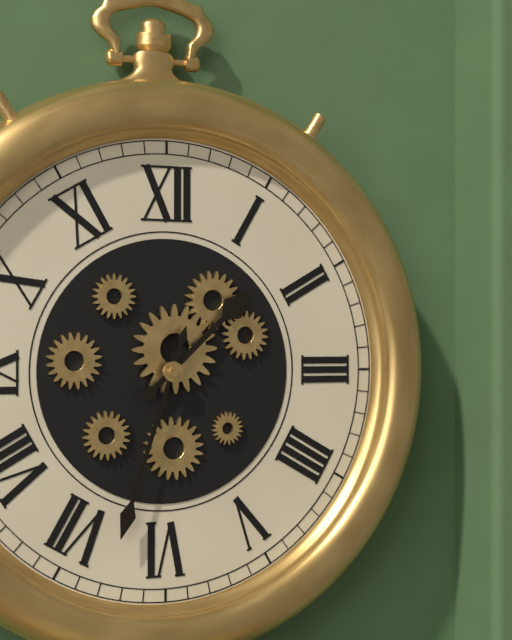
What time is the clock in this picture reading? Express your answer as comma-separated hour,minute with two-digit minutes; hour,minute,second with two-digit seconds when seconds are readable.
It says 1,33
